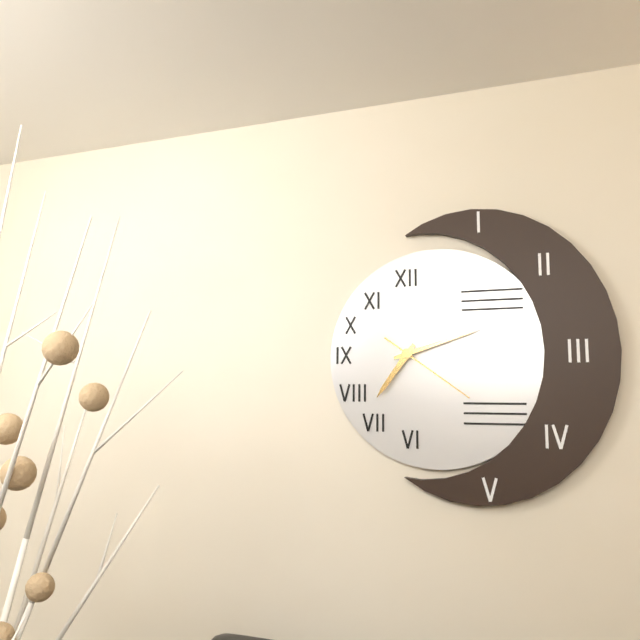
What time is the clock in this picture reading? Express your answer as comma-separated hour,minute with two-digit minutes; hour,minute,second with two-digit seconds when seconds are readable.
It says 7,12,21
